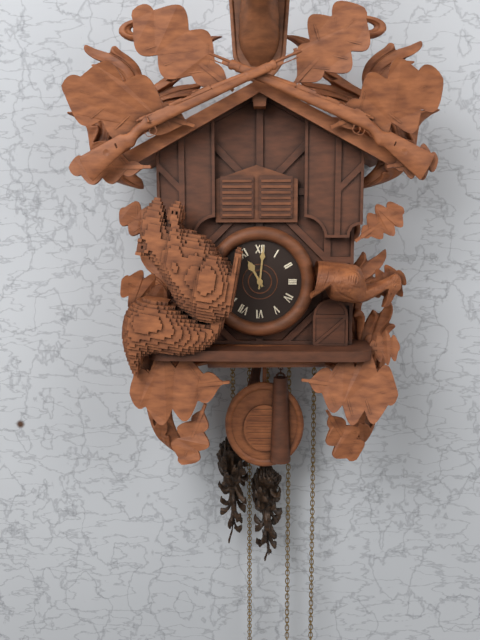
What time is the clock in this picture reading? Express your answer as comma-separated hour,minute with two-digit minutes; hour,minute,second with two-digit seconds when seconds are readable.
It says 11,01
